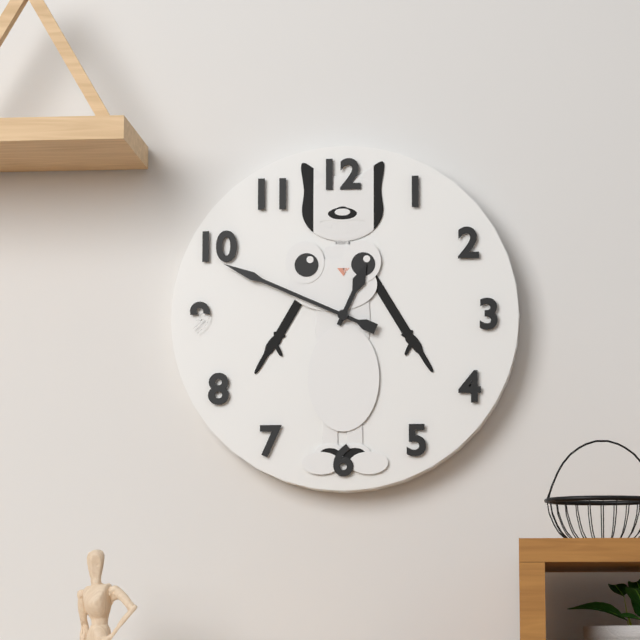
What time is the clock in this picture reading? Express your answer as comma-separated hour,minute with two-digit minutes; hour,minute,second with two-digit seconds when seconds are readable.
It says 12,49
